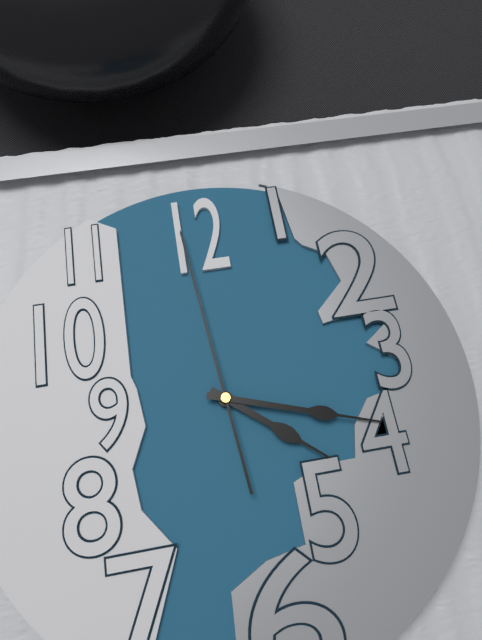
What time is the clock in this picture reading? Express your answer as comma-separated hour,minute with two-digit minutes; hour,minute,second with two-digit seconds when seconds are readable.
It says 4,18,59
